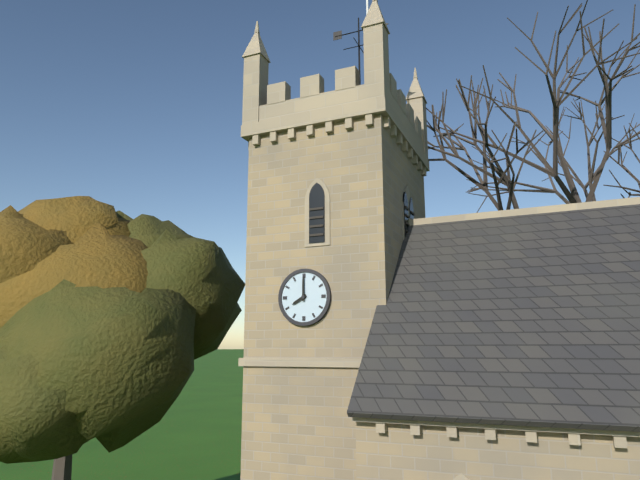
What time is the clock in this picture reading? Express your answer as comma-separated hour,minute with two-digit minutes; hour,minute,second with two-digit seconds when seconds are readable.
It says 8,00
